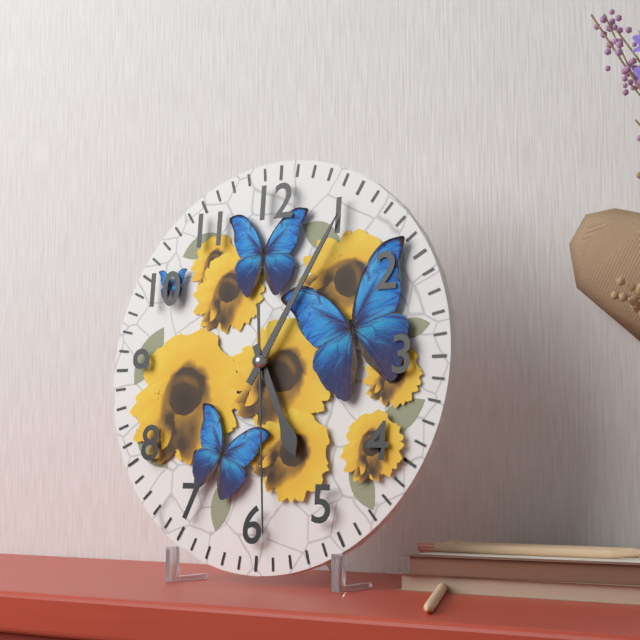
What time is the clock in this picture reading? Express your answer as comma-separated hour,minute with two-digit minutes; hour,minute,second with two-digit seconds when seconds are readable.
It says 5,05,29
